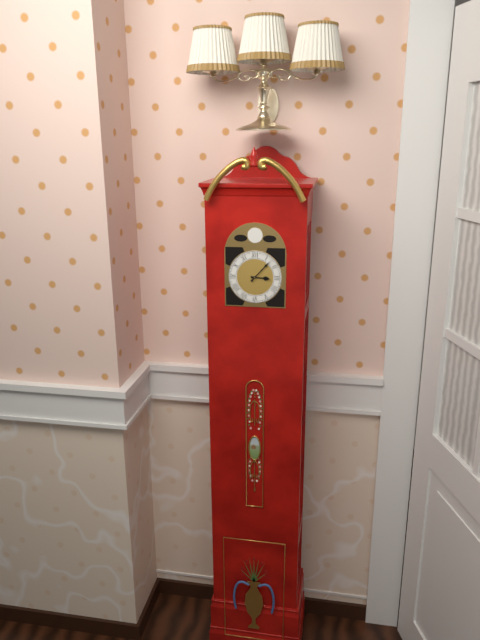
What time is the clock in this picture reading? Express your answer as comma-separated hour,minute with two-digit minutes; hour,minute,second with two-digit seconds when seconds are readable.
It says 3,07
